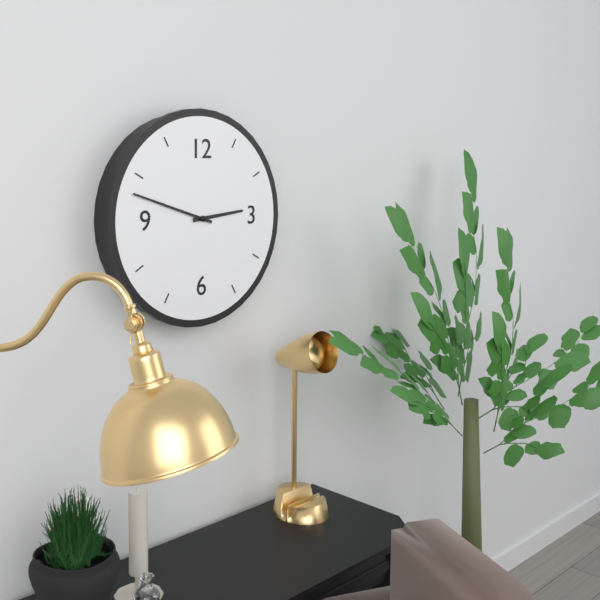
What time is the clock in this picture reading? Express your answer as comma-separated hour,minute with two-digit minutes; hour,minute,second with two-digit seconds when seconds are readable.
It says 2,48
